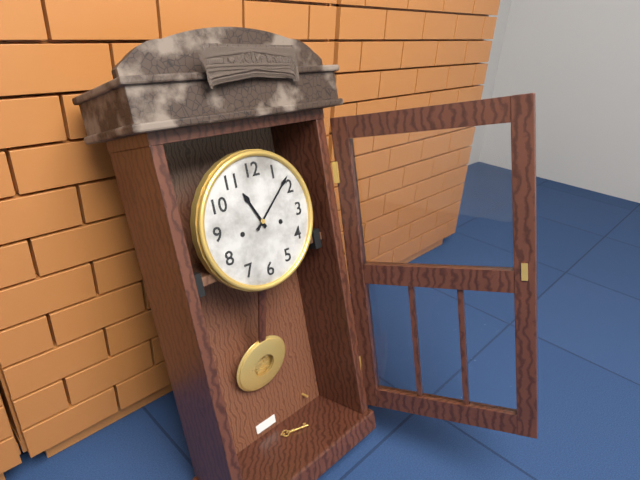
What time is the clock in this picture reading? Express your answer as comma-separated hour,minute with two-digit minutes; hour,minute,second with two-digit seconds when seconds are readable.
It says 11,08
